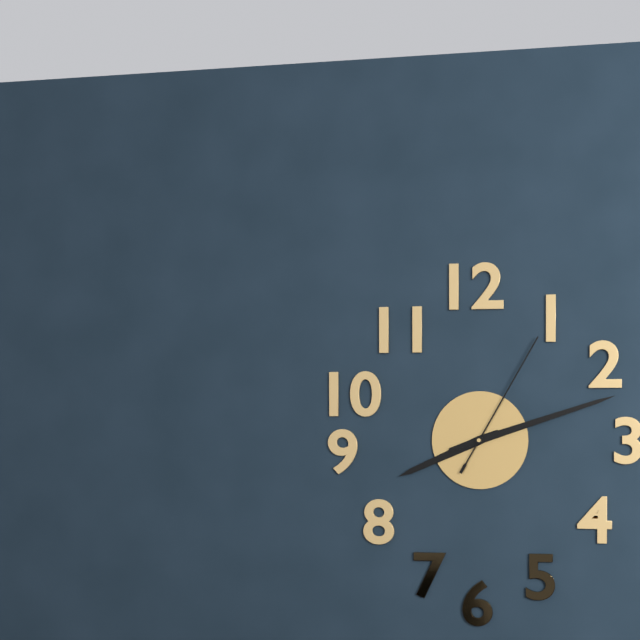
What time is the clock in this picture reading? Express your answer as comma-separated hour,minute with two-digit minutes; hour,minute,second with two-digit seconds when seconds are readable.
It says 8,12,05
